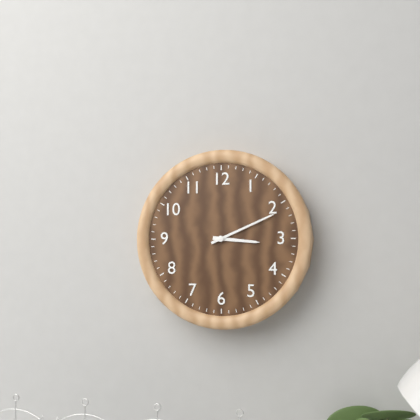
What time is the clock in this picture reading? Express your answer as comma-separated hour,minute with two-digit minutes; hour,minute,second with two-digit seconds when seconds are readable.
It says 3,11
